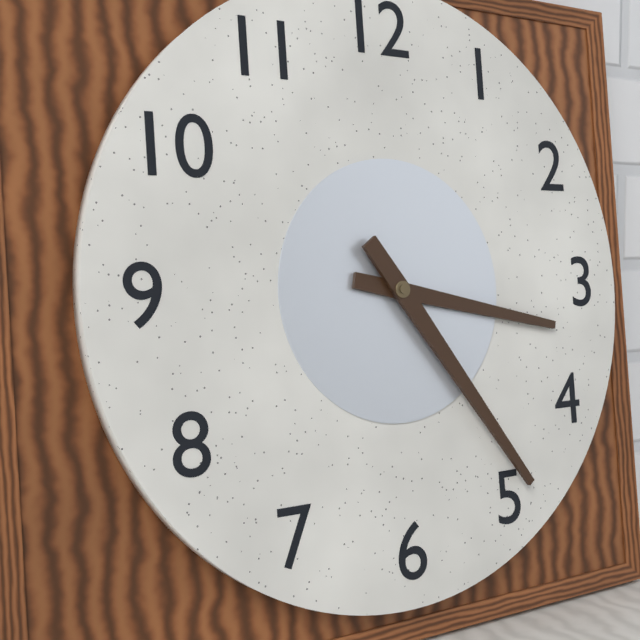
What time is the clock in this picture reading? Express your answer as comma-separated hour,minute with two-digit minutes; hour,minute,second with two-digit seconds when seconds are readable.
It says 3,24
